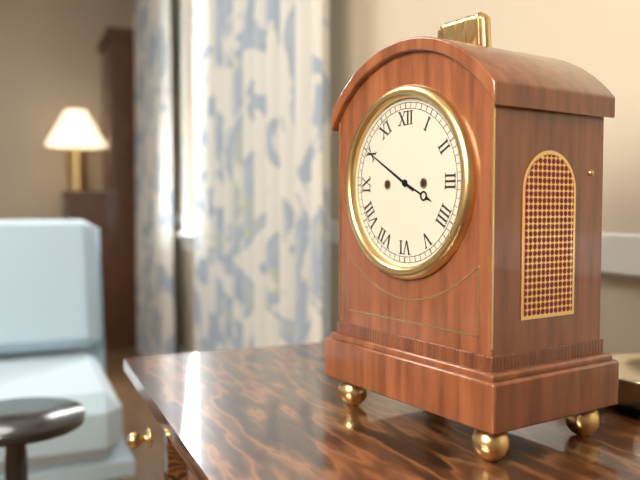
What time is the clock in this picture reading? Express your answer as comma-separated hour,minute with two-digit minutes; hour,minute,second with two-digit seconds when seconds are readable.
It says 3,50
